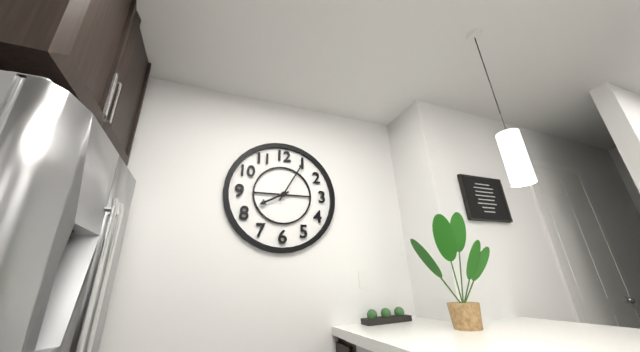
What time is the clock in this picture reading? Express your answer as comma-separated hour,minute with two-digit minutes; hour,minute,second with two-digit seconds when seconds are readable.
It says 8,05
